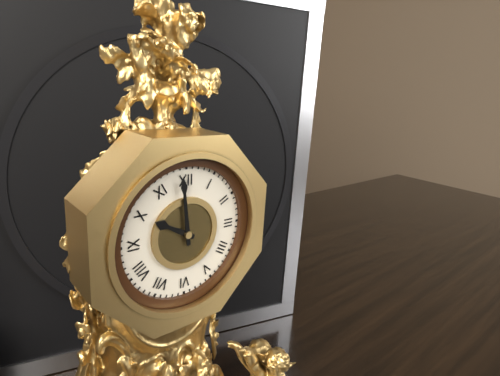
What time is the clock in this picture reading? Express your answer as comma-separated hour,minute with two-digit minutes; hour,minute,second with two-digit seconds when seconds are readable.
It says 9,59
